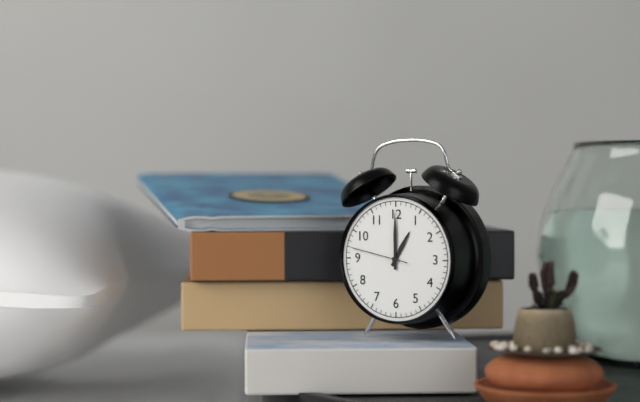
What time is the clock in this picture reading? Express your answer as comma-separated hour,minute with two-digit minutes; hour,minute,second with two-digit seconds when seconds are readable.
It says 1,00,47
